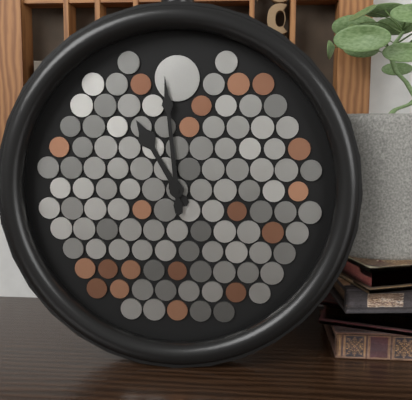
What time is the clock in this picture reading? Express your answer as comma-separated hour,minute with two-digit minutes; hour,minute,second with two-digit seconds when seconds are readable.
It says 10,59
